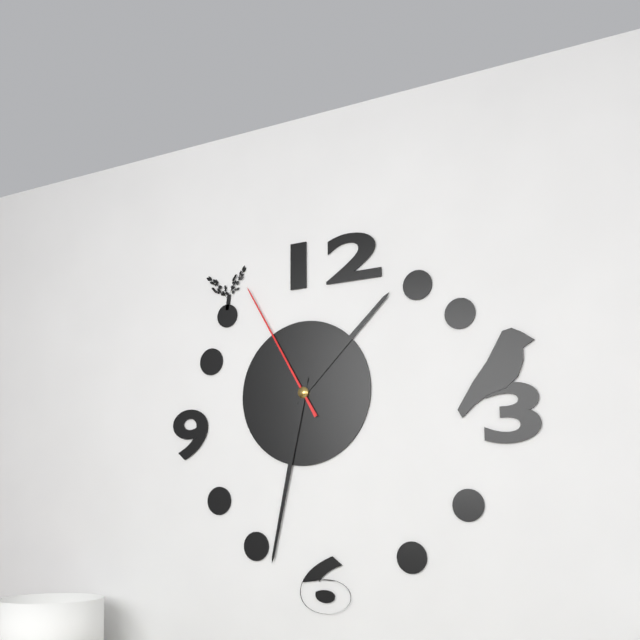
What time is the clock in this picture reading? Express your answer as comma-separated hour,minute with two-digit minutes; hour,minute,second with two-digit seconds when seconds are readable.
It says 1,32,55
